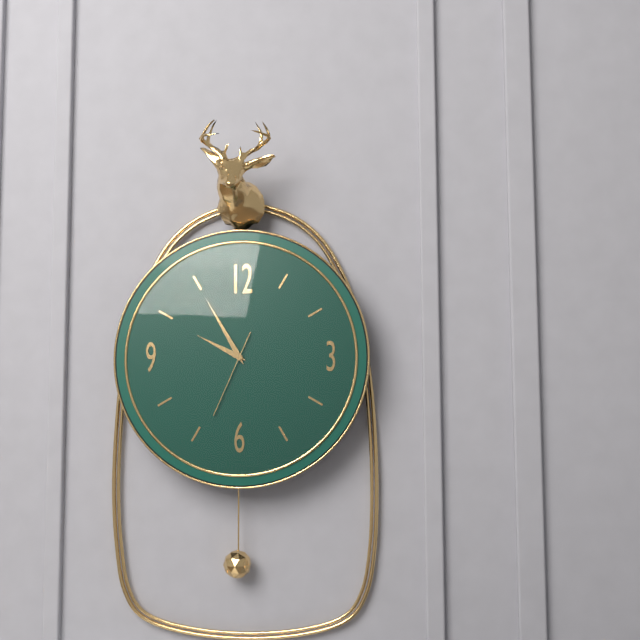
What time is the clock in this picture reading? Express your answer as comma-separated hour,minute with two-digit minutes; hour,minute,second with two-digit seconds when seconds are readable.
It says 9,55,34
